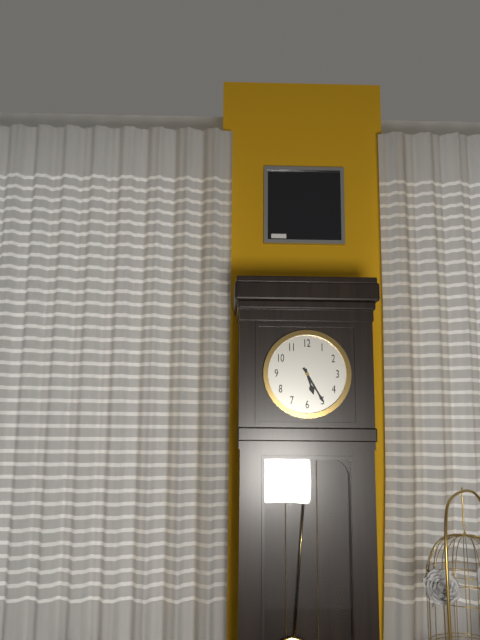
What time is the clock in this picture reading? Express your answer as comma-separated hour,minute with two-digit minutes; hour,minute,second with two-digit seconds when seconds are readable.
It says 5,25
